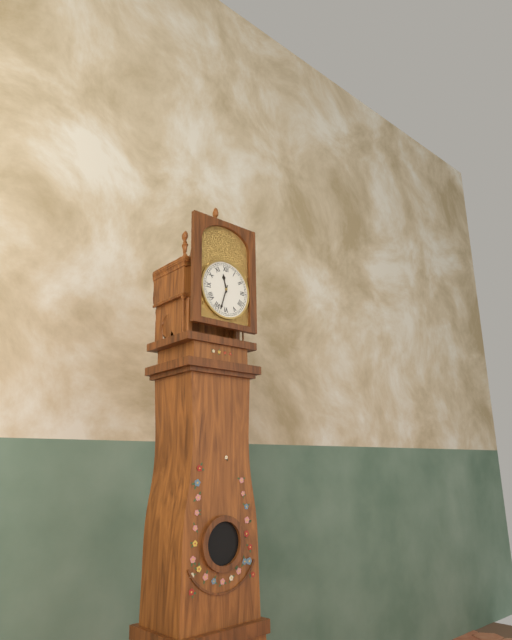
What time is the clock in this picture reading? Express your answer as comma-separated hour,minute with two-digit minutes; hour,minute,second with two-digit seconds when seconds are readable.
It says 11,33
